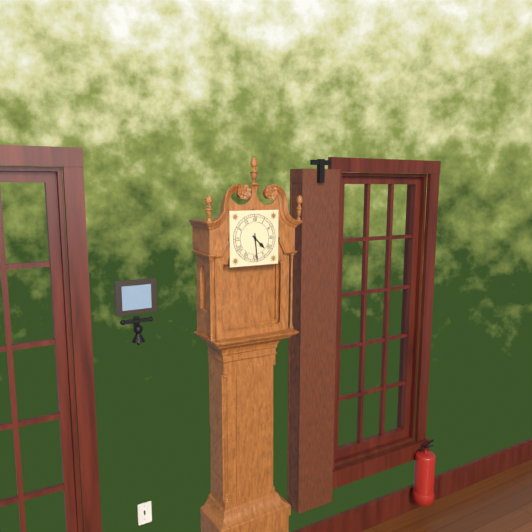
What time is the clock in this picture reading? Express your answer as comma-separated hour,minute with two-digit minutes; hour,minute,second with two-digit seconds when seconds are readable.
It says 4,29
